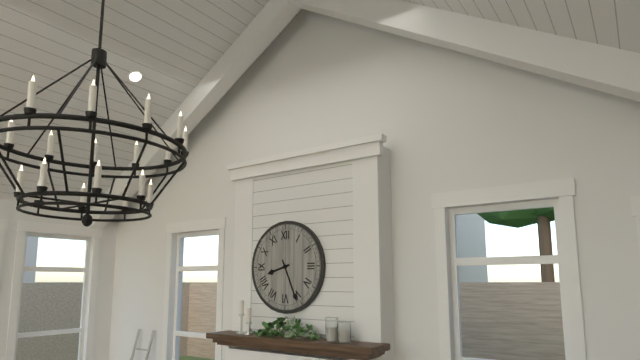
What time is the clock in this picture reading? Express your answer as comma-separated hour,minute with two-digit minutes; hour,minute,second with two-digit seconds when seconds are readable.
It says 8,26
